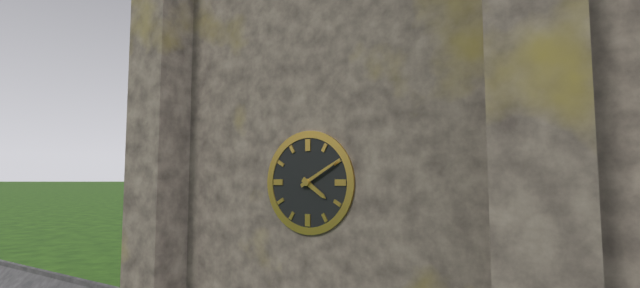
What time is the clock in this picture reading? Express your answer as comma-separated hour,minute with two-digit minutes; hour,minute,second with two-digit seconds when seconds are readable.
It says 4,10
